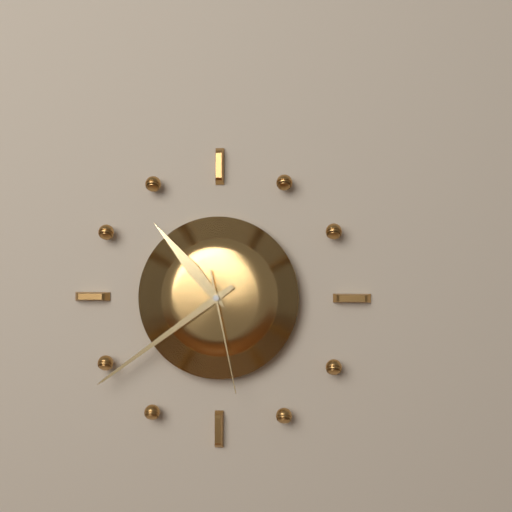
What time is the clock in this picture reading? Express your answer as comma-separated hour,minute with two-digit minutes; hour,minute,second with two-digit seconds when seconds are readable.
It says 10,39,28
